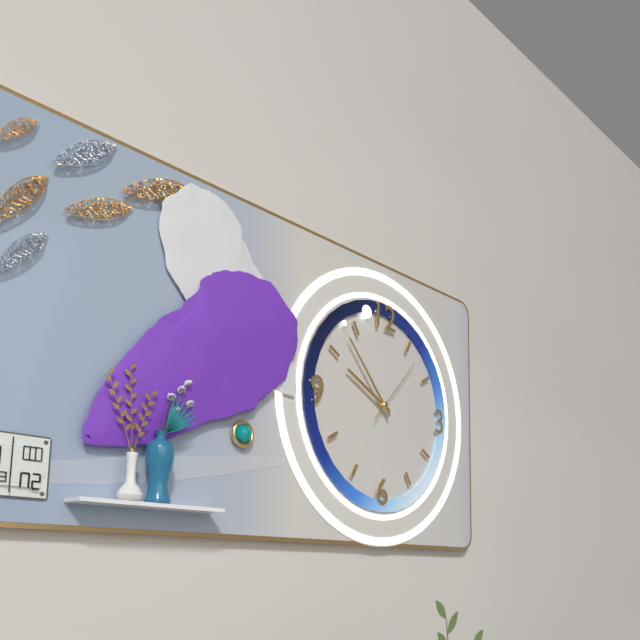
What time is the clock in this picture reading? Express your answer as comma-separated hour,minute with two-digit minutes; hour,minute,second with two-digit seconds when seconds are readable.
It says 9,53,07
